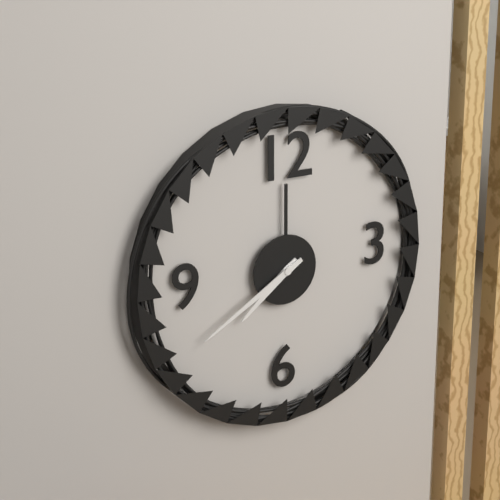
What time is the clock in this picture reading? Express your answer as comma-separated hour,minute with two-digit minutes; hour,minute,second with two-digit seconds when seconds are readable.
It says 7,40
